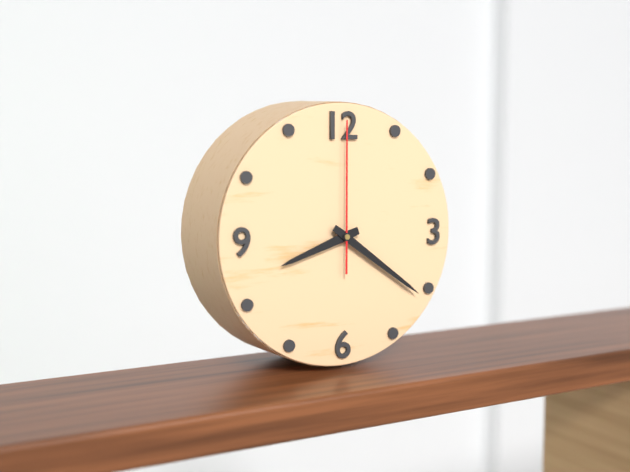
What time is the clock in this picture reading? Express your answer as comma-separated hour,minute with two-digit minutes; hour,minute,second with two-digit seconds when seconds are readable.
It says 8,21,00
